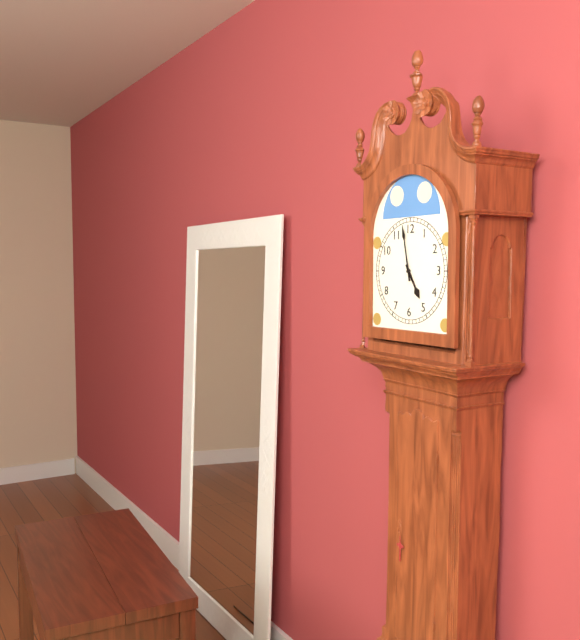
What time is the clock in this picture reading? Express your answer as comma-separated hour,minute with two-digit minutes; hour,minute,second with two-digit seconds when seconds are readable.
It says 4,58
